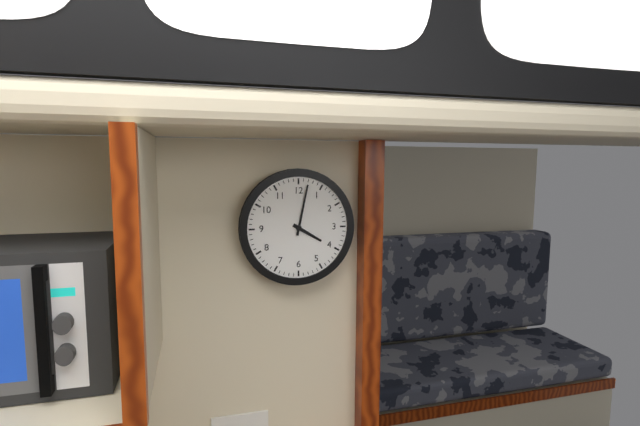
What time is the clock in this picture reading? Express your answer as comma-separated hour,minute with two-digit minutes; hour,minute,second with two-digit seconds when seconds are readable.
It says 4,02
